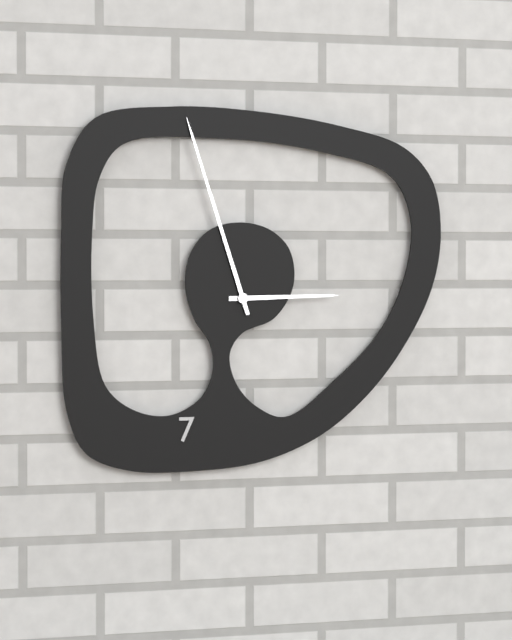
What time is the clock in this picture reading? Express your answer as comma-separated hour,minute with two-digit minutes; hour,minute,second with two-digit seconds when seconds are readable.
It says 2,57
